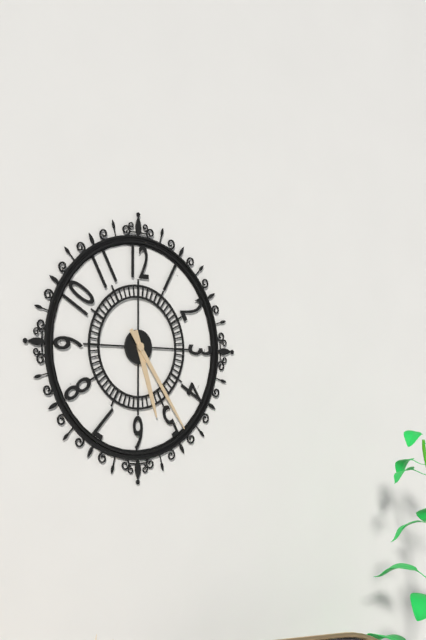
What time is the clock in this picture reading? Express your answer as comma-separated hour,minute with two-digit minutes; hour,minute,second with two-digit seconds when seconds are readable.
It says 5,24
